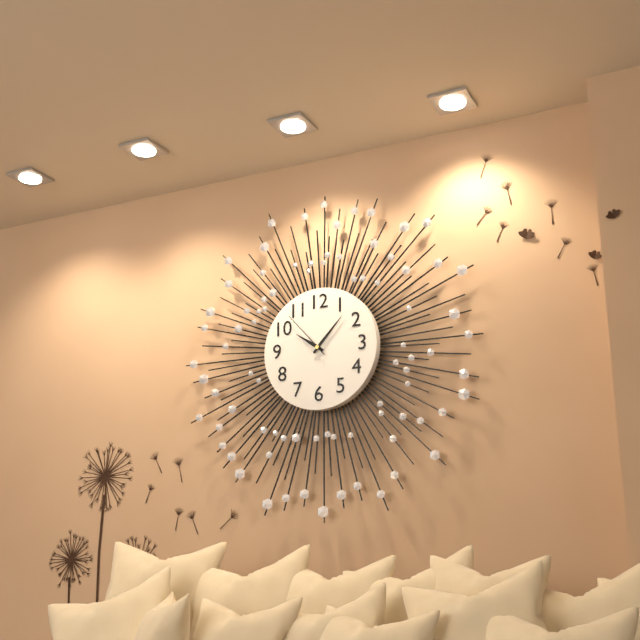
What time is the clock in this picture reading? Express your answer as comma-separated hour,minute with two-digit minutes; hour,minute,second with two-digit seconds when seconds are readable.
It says 10,07,53
